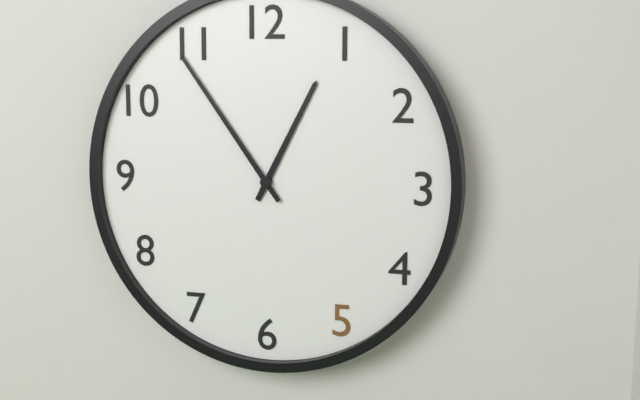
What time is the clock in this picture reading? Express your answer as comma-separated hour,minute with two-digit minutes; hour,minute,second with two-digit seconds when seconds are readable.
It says 12,54
